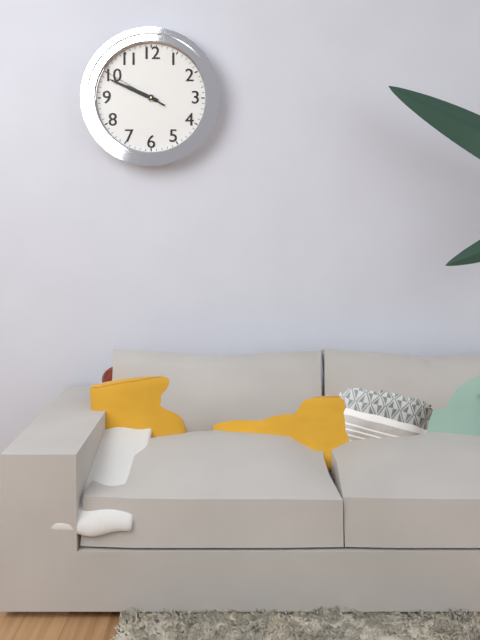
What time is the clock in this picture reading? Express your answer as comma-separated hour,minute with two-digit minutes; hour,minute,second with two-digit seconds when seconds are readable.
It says 9,49,50
